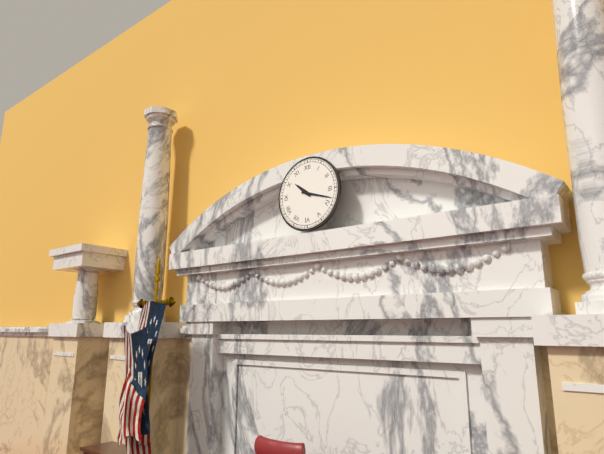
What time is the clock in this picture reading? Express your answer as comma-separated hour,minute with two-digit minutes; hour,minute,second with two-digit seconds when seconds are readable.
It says 10,18
